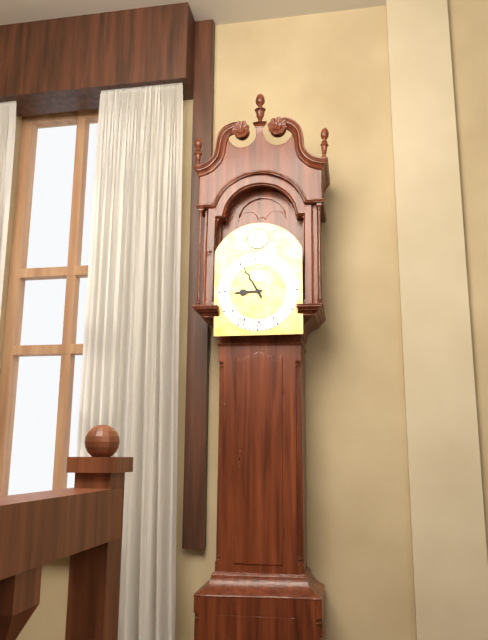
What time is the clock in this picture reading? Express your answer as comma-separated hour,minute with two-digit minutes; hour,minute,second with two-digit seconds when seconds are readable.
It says 8,55
